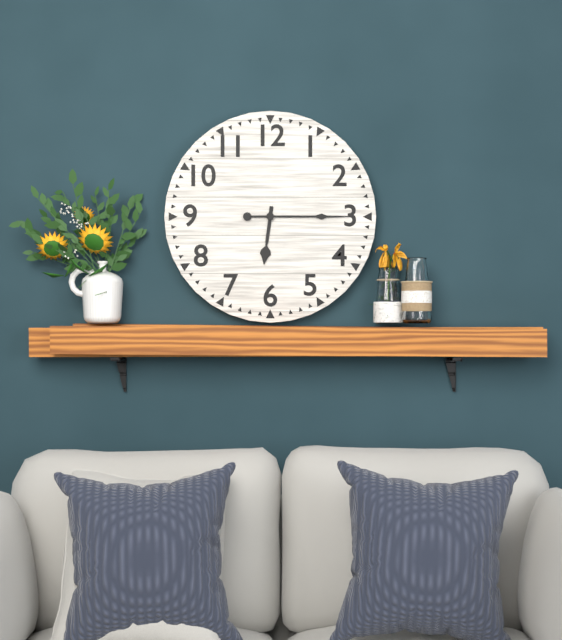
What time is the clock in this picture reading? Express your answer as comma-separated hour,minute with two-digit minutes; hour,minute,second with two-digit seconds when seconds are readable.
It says 6,15
